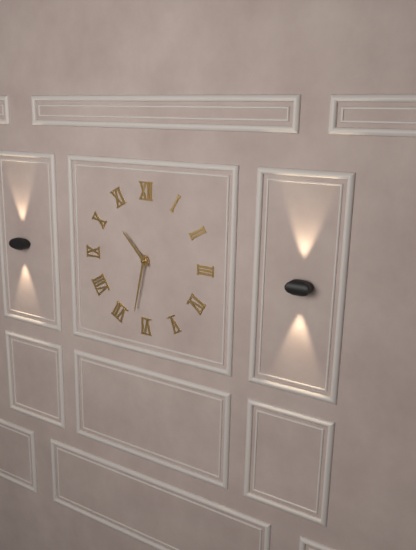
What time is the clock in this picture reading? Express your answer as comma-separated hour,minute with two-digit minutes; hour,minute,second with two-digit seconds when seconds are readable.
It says 10,32
